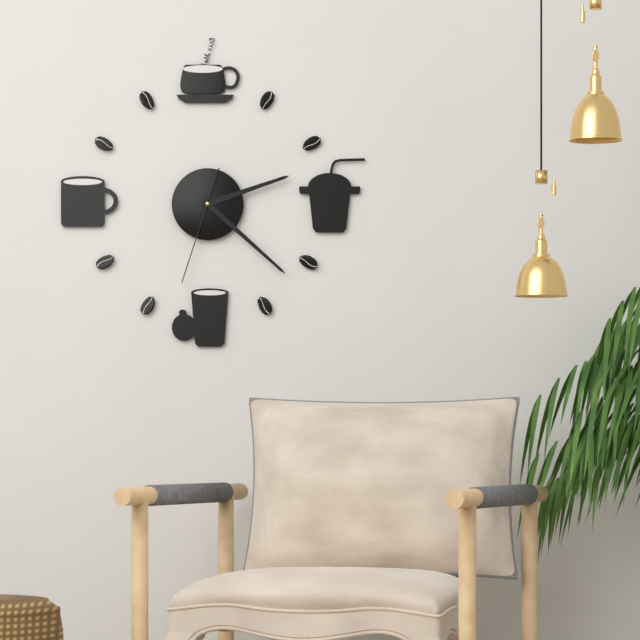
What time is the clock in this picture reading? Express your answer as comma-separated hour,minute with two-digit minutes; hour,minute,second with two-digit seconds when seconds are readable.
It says 2,22,33
